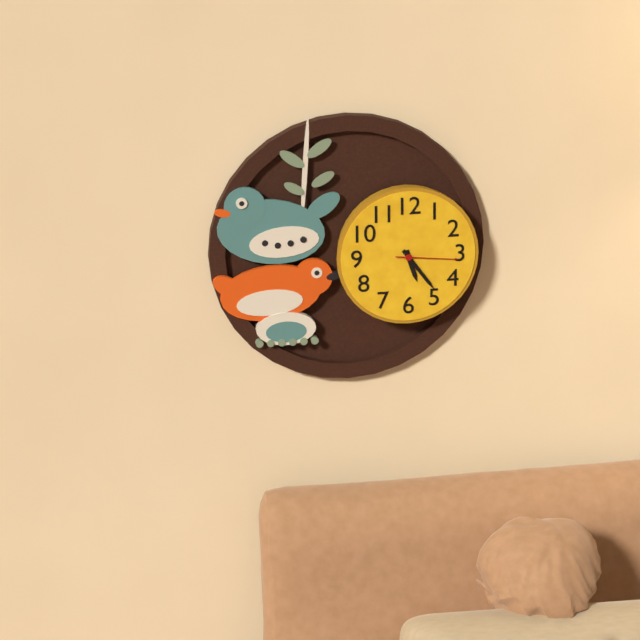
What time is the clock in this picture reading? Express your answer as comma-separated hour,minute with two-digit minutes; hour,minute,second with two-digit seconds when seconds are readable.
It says 5,24,16
